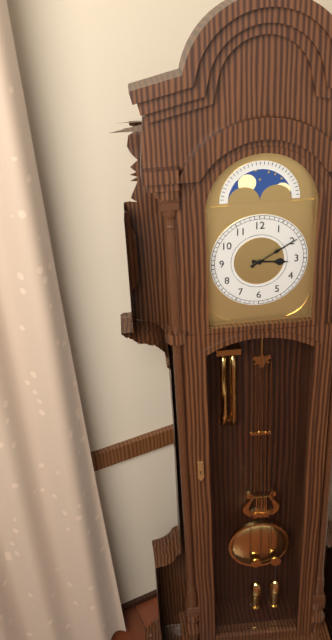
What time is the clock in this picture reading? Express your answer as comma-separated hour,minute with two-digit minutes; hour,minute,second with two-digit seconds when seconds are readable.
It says 3,10
